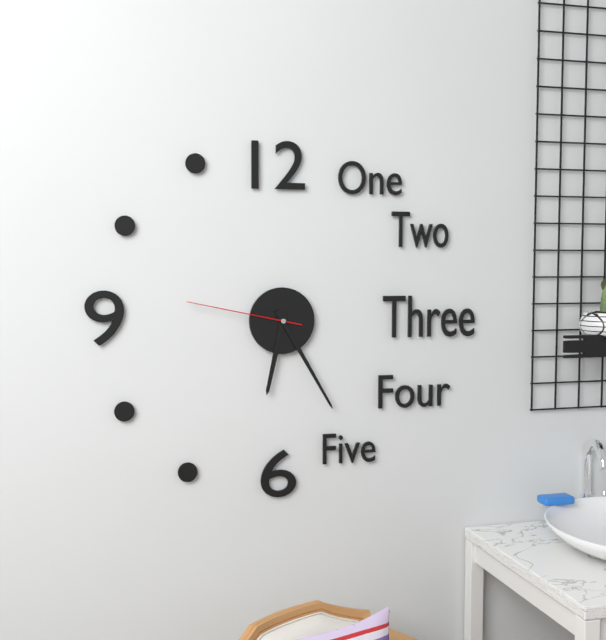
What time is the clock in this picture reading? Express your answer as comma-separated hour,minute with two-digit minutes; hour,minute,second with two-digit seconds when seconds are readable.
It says 6,25,47
